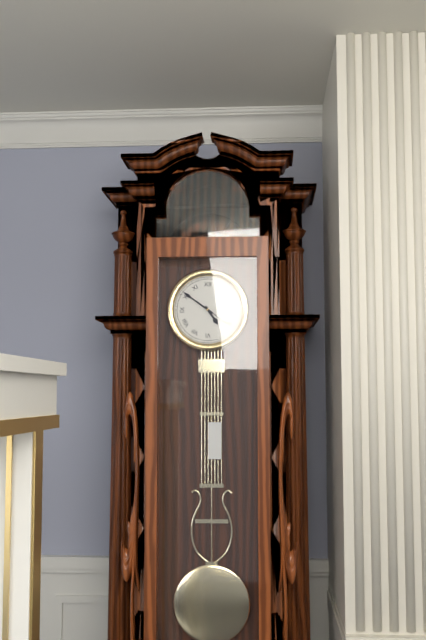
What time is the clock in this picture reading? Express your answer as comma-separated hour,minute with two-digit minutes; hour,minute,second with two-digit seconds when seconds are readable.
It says 4,51
